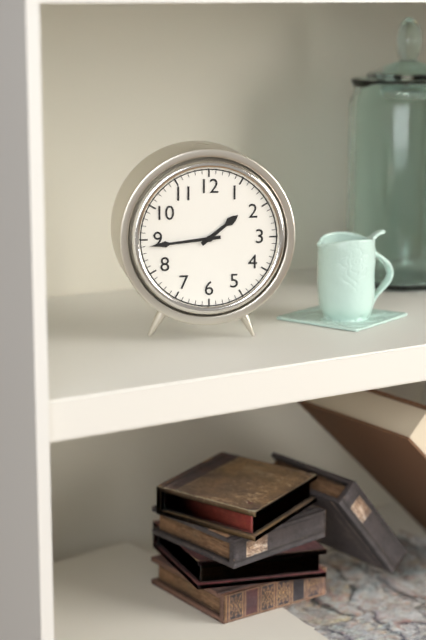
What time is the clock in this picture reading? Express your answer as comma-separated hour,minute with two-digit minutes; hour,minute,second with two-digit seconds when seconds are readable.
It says 1,44
